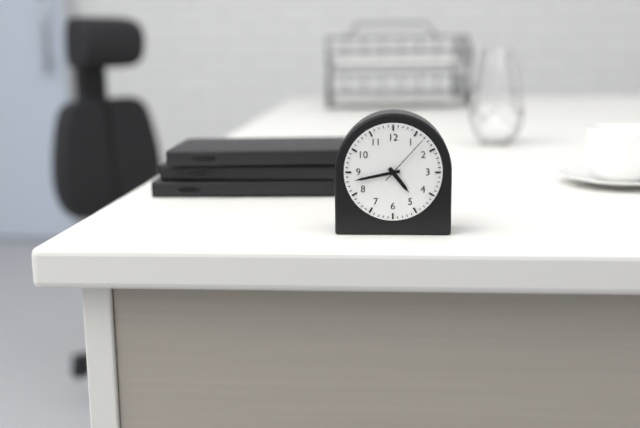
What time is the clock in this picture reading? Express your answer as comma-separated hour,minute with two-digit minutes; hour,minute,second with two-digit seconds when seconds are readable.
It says 4,43,07
